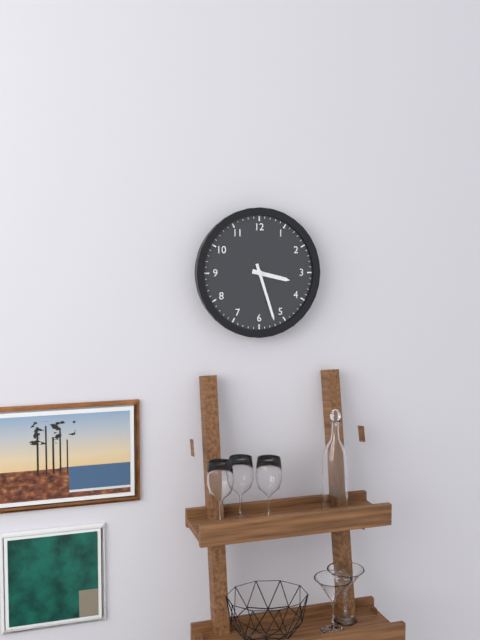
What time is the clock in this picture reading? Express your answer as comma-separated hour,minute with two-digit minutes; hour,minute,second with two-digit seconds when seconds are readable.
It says 3,27
